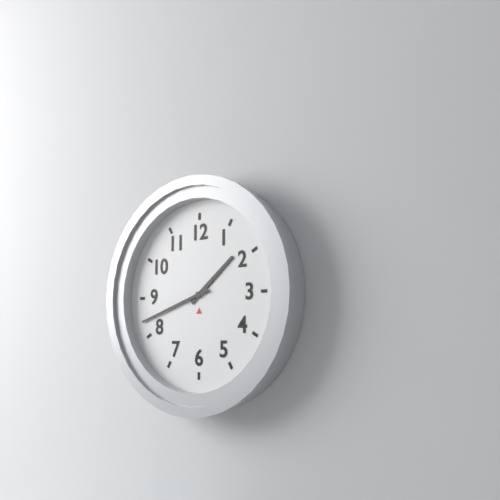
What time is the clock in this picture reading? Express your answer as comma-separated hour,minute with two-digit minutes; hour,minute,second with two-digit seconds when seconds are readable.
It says 1,42
